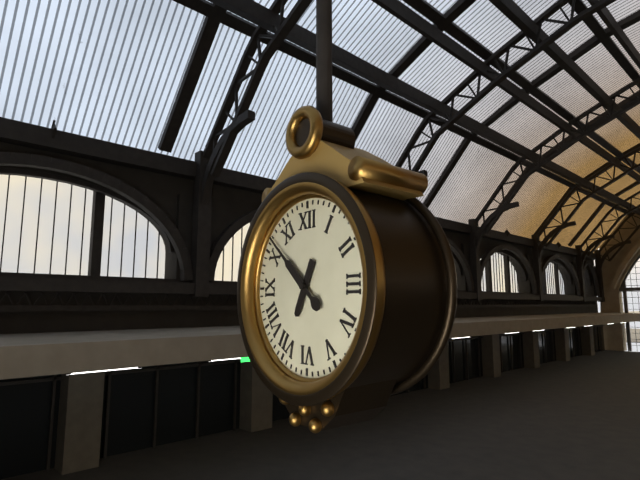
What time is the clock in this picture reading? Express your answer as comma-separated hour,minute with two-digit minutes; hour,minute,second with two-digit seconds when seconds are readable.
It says 6,52
